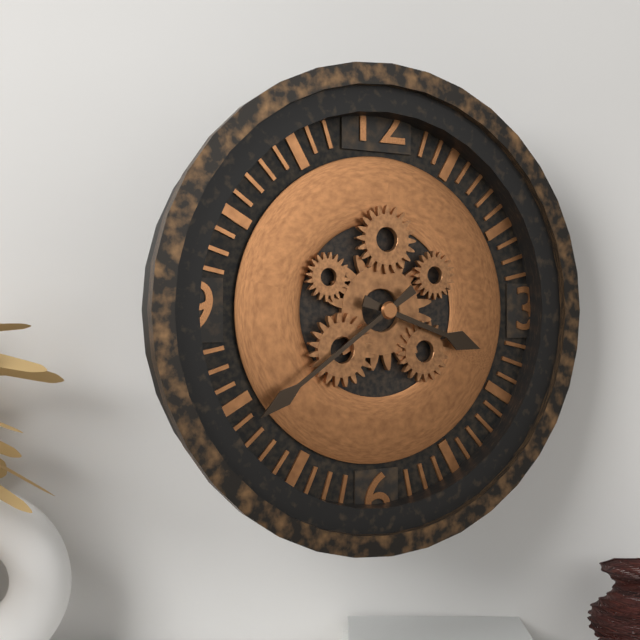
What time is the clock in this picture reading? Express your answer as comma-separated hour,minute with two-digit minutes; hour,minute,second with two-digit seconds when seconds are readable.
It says 3,39
